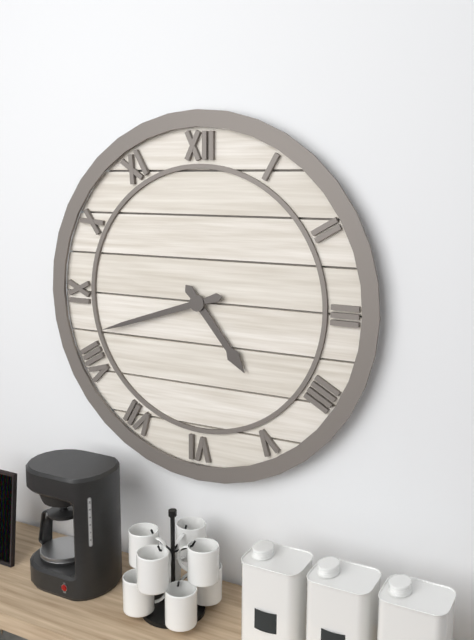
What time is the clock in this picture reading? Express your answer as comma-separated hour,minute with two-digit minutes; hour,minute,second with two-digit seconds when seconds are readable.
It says 4,42
